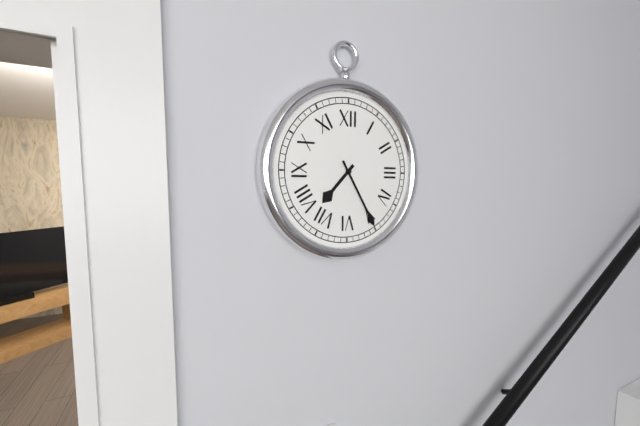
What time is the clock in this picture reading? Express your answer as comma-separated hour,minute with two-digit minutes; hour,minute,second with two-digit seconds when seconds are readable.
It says 7,25
